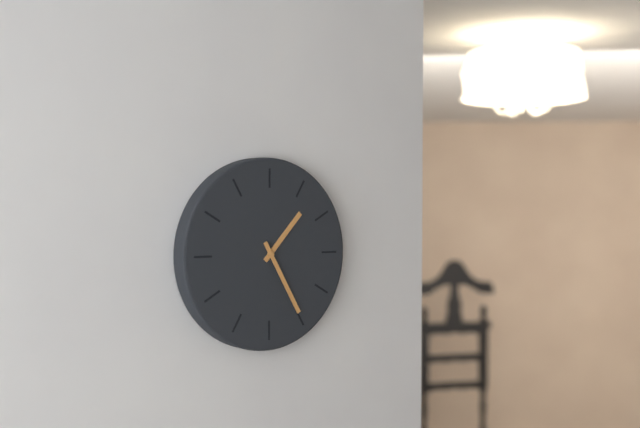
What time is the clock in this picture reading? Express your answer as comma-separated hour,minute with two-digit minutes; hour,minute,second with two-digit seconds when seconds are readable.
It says 1,25
